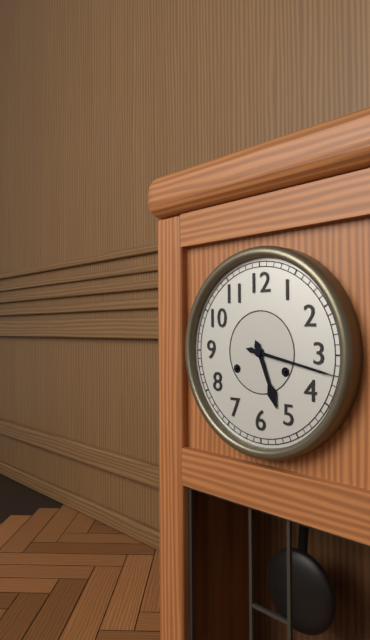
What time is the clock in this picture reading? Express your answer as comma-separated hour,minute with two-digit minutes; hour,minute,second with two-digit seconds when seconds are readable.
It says 5,17
